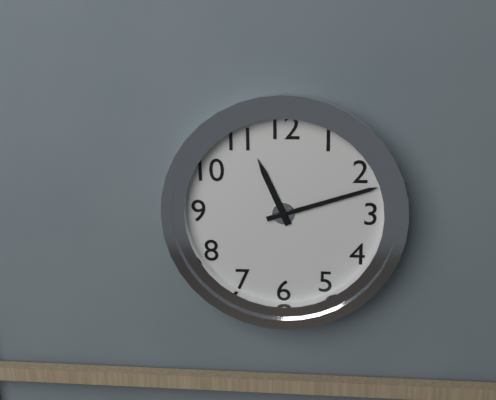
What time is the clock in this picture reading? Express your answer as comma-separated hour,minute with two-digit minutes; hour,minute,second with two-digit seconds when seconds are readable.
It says 11,12
